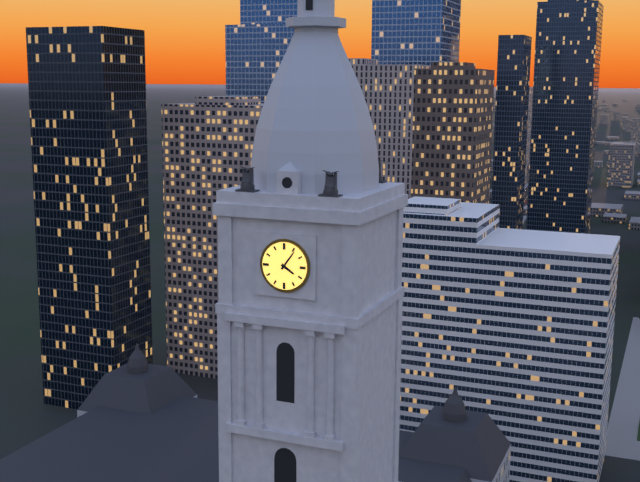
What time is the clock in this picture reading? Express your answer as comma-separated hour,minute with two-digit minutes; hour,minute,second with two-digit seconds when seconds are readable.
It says 4,06
